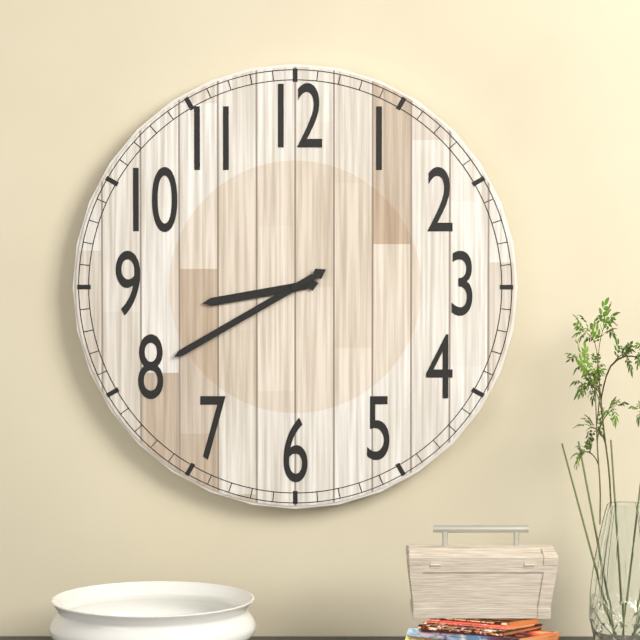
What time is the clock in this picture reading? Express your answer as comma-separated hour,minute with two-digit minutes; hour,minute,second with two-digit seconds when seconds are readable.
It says 8,40
